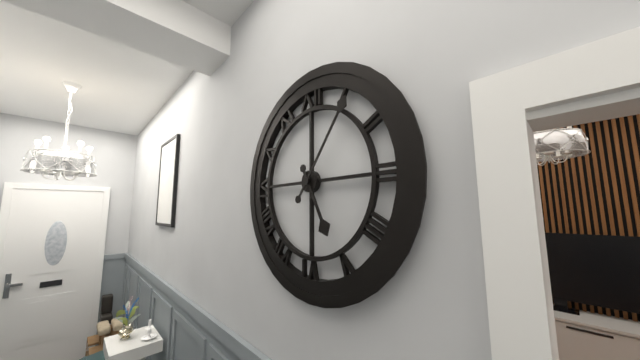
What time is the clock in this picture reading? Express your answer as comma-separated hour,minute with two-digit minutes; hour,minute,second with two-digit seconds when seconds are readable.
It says 5,06
